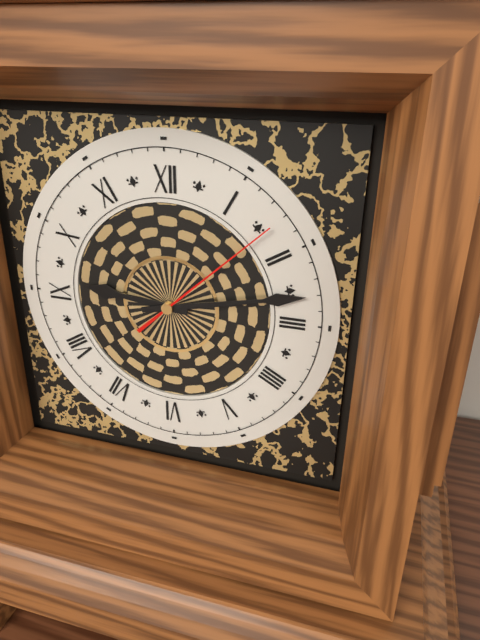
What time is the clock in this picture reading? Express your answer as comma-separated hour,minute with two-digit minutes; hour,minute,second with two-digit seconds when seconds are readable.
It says 9,13,08
